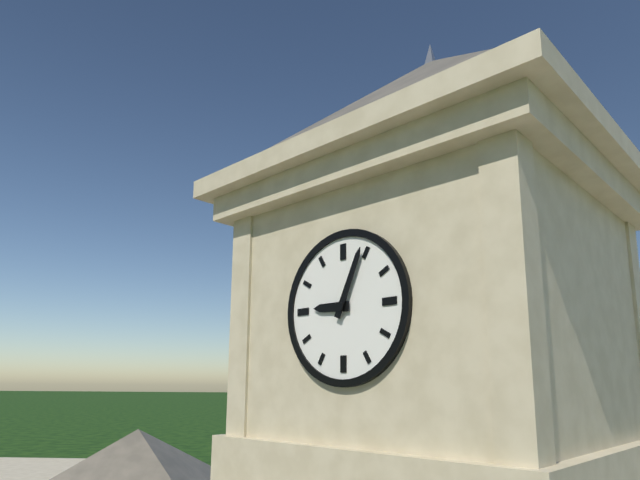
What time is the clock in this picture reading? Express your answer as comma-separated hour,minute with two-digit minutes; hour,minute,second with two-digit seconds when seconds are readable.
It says 9,04
